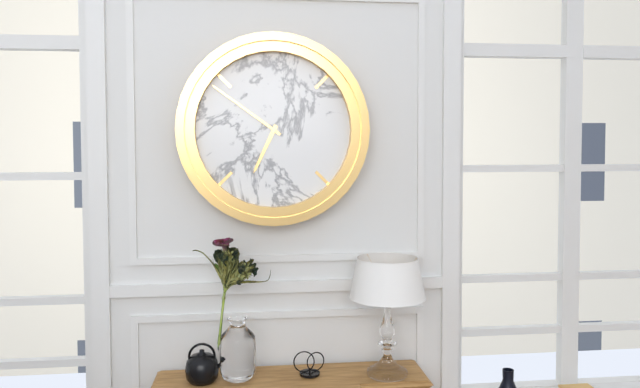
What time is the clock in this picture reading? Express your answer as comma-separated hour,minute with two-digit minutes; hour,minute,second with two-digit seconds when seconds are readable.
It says 6,51
